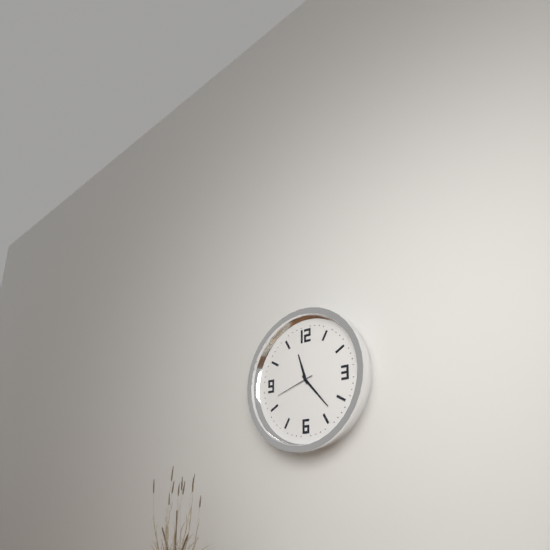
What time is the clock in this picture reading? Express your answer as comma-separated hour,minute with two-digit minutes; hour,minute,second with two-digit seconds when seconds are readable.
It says 11,23
